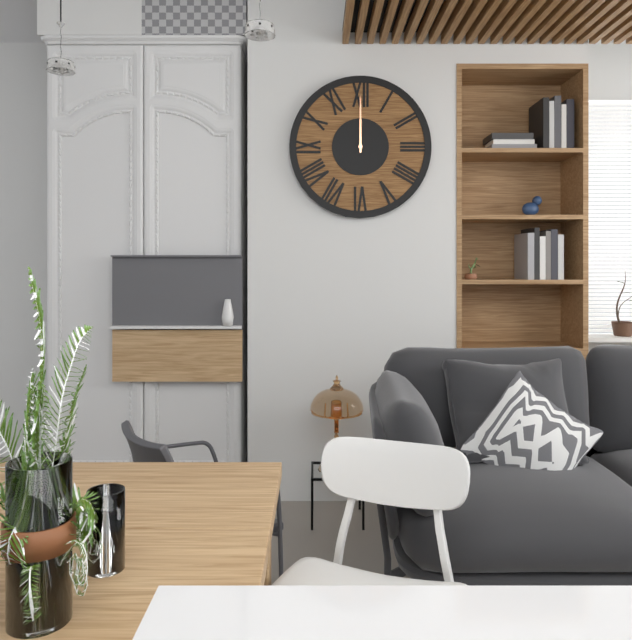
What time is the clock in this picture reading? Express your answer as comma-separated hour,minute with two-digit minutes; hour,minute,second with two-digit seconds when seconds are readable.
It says 12,00
